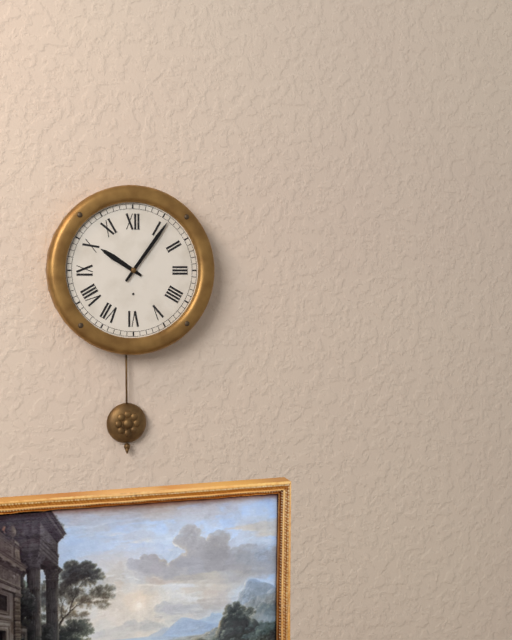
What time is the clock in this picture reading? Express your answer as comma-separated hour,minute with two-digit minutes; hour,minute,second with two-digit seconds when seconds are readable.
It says 10,06
